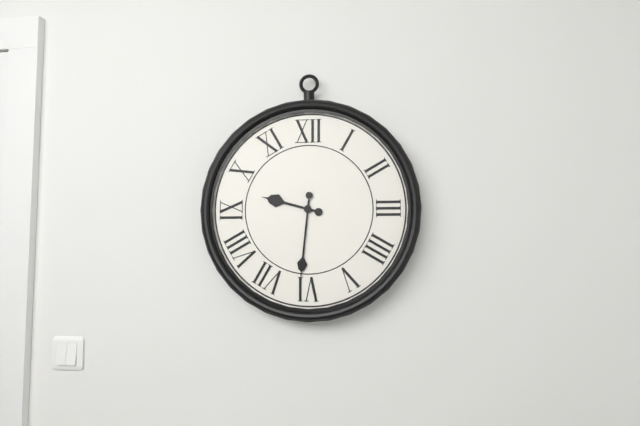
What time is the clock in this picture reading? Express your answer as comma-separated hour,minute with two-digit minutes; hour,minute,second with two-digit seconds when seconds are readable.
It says 9,31
